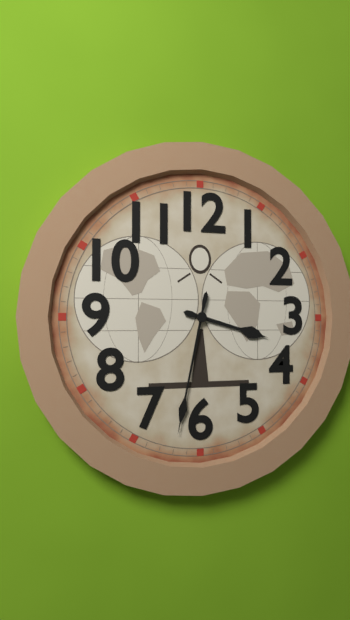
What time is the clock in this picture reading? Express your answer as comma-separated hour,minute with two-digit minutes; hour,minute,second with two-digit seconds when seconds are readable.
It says 3,32
